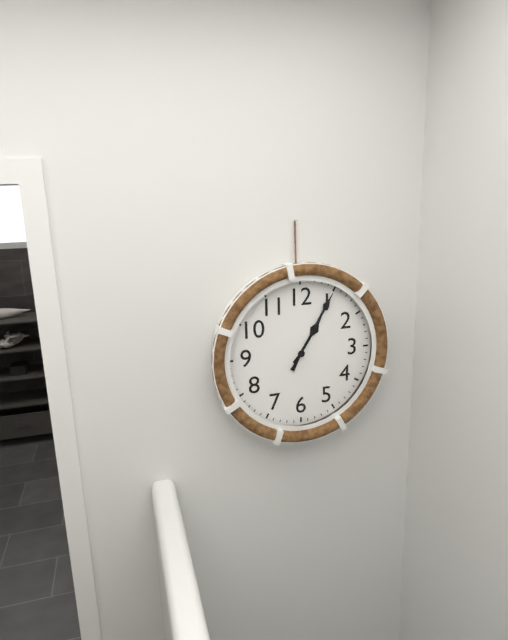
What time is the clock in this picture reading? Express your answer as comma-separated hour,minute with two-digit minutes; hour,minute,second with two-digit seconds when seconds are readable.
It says 1,05
